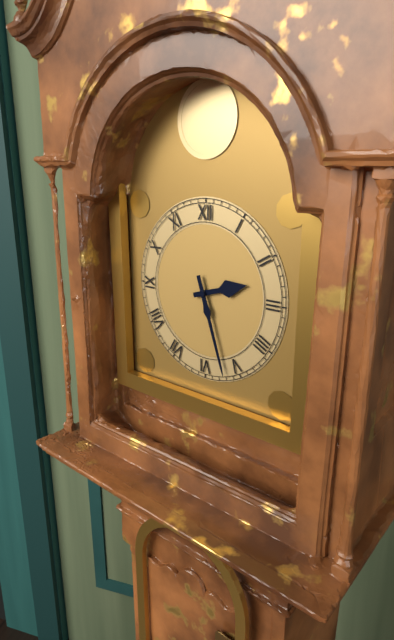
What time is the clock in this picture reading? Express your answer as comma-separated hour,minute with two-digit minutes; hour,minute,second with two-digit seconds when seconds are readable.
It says 2,27
